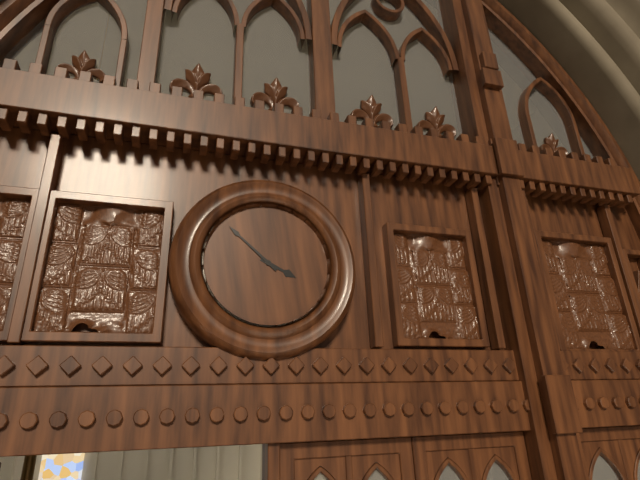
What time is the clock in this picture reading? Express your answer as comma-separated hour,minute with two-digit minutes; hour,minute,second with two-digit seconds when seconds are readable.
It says 3,52
